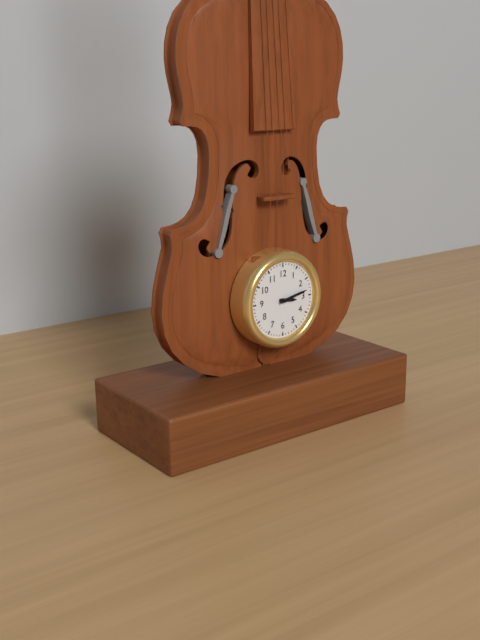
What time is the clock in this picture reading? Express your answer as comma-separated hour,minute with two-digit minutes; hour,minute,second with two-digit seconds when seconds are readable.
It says 3,13
